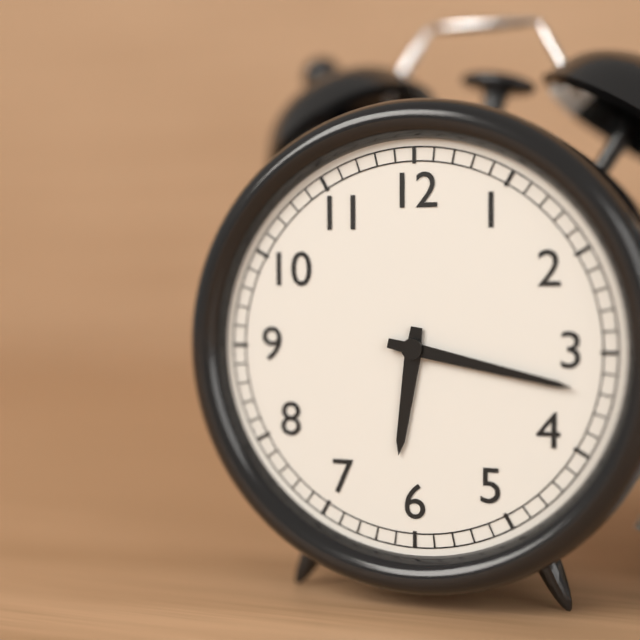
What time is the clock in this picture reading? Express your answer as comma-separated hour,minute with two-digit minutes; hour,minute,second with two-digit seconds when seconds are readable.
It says 6,17
